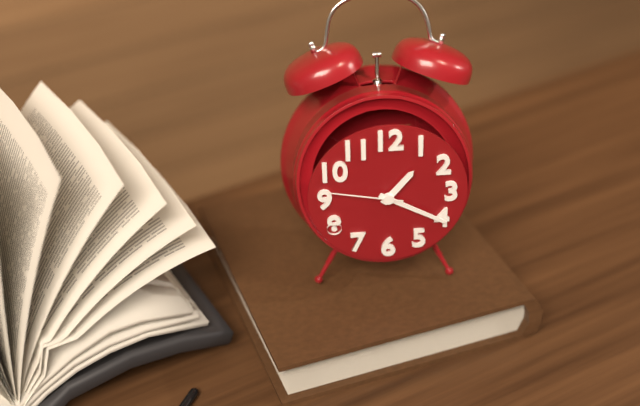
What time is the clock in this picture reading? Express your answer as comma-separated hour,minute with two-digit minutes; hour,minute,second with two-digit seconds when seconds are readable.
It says 1,20,47
